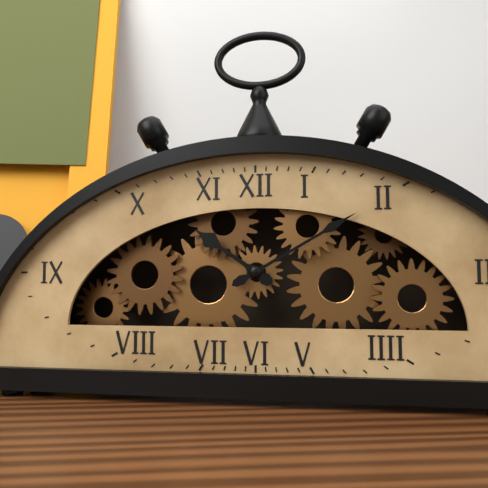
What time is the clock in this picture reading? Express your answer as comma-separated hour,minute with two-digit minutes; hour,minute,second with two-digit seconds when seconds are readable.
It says 10,10
